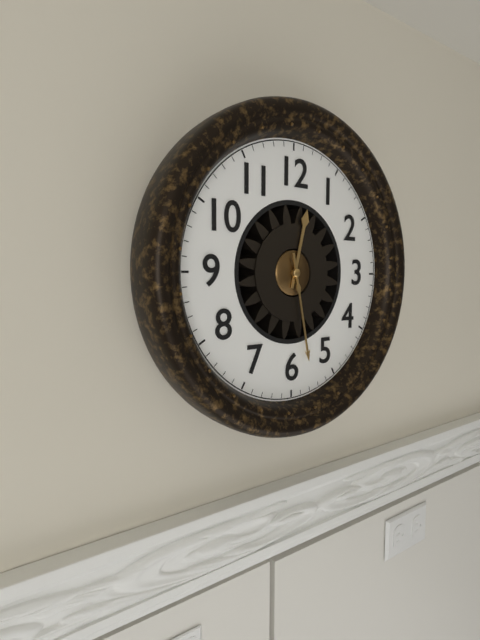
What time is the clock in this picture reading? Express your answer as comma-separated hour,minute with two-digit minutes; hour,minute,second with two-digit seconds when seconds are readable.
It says 12,28
